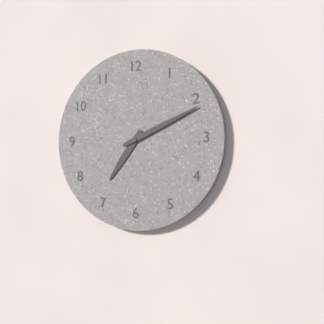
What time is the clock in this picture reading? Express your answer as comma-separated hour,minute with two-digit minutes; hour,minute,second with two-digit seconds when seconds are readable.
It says 7,11
